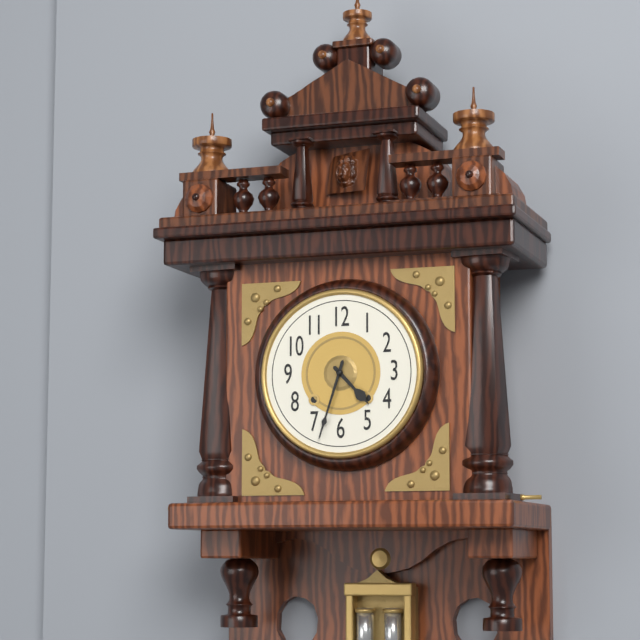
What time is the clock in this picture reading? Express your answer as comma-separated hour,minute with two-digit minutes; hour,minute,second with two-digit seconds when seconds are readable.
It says 4,33
